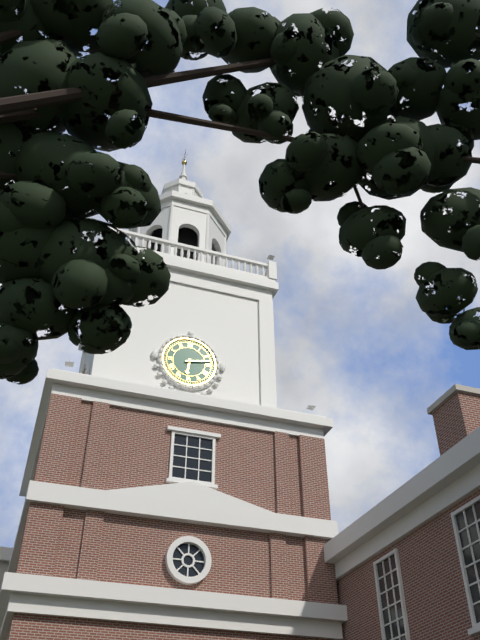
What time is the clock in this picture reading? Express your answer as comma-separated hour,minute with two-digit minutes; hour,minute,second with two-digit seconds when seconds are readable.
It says 6,13
